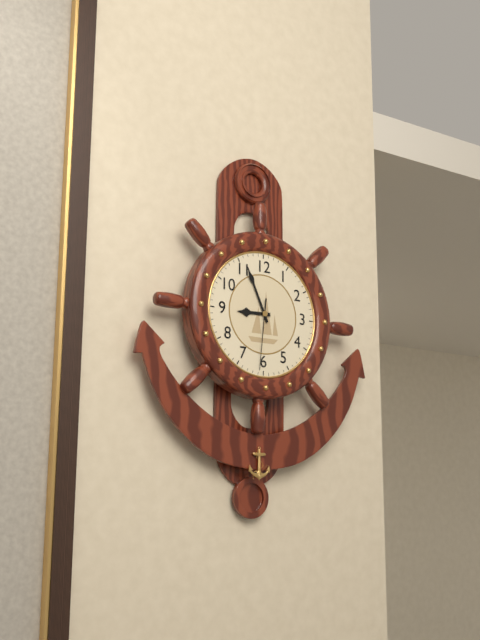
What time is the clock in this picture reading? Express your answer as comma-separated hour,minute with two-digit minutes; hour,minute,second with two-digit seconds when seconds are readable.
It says 8,56,31
